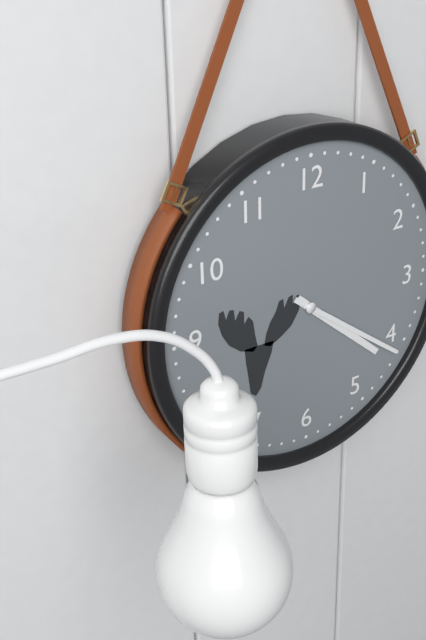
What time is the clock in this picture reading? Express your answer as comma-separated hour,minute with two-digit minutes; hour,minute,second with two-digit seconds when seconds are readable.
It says 4,21
